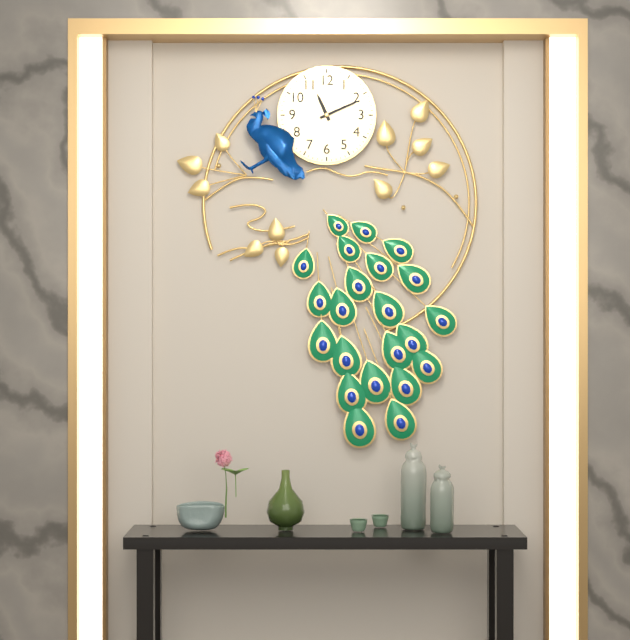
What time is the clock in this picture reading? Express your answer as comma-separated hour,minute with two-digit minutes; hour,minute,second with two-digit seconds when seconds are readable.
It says 11,11
